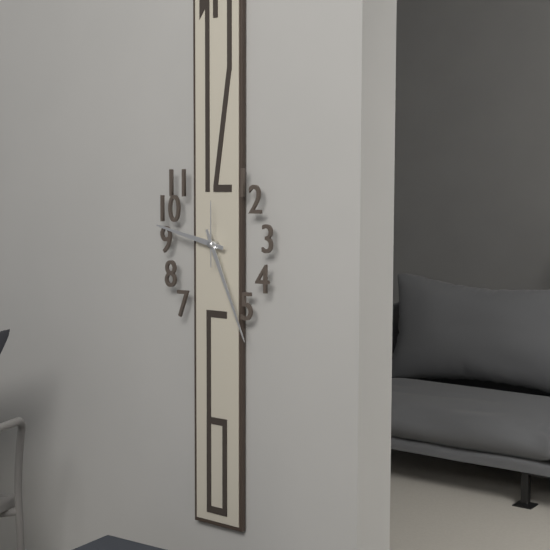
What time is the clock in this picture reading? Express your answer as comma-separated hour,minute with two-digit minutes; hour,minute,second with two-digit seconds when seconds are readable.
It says 9,26,00
